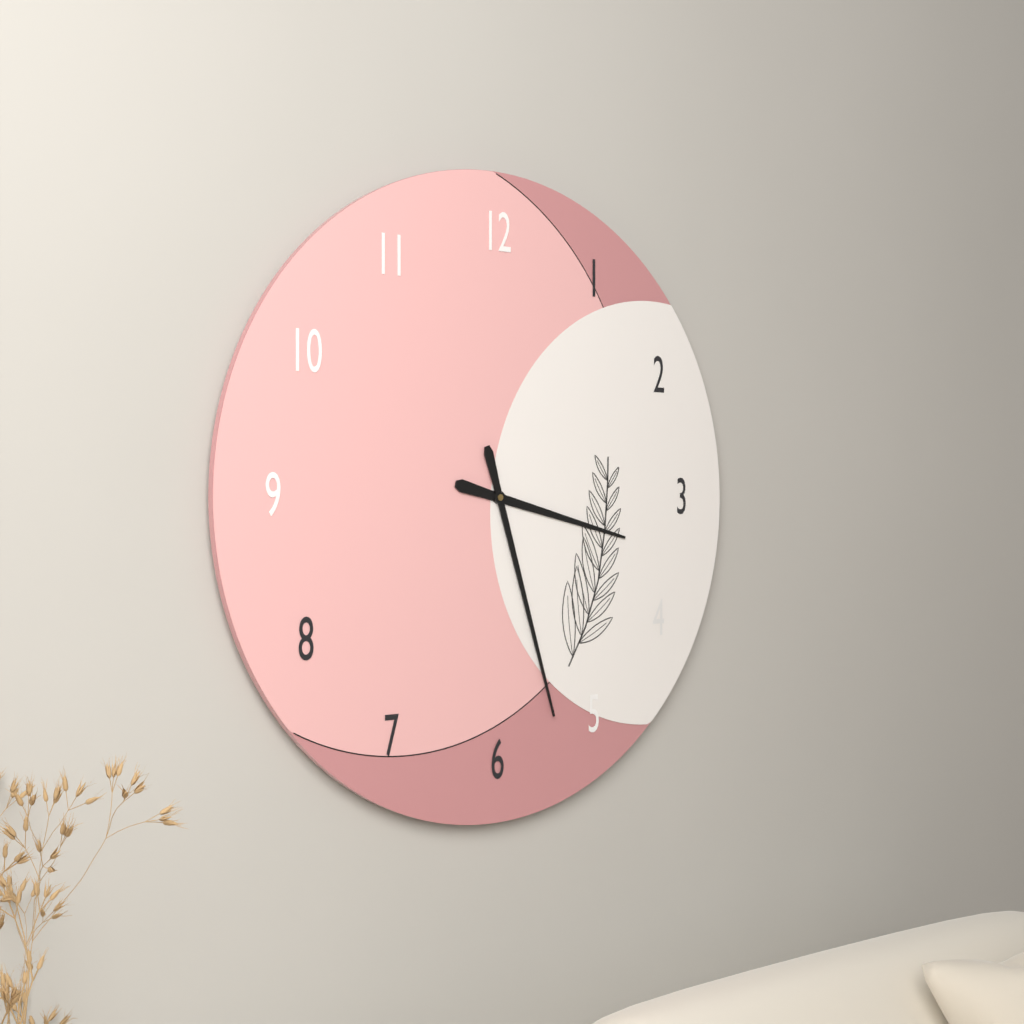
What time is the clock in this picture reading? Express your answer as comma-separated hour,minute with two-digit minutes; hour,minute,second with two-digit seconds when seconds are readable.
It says 3,27
